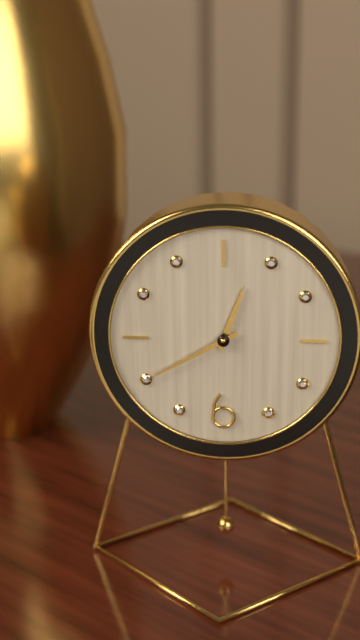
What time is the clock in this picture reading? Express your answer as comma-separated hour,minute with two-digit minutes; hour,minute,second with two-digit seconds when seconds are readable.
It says 12,40
